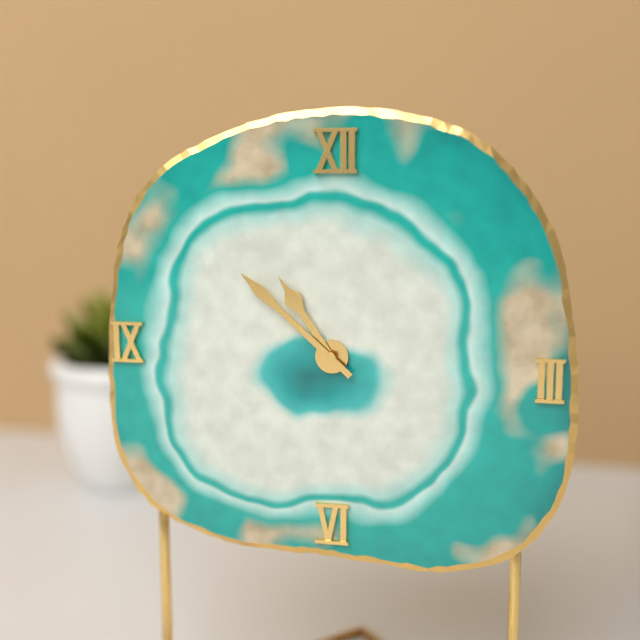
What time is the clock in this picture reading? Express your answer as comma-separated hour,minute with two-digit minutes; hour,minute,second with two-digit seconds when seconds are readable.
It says 10,52
